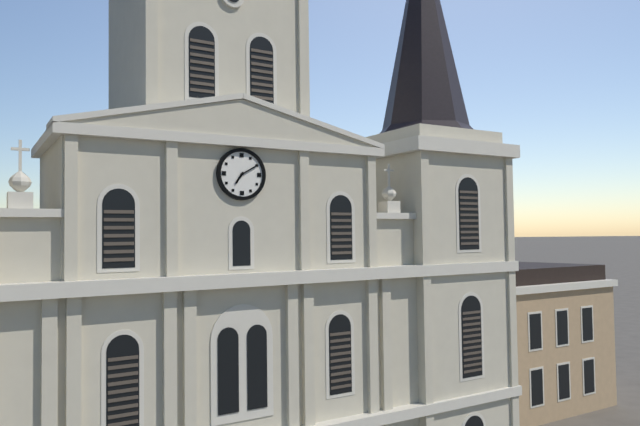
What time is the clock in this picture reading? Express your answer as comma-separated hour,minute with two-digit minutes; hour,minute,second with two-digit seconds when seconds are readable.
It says 7,10
